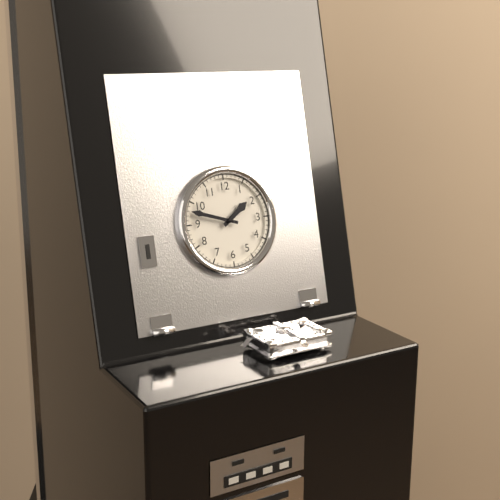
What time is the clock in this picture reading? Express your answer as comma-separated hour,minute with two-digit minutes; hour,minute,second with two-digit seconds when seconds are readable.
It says 1,48
